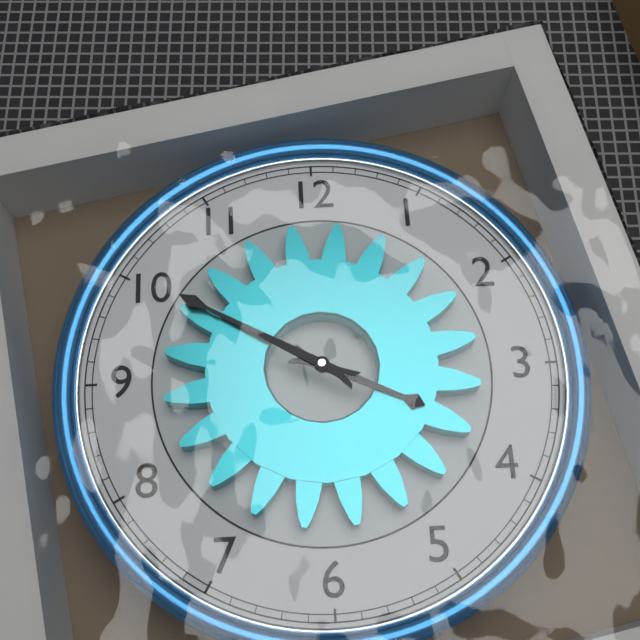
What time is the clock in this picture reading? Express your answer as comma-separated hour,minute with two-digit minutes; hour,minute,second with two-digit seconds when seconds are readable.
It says 3,50
